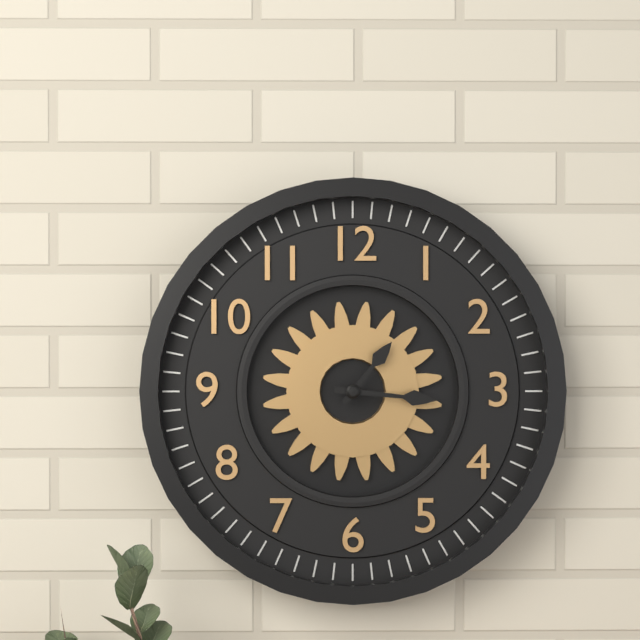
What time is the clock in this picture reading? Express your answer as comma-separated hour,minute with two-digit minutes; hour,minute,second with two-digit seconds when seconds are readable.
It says 1,16
